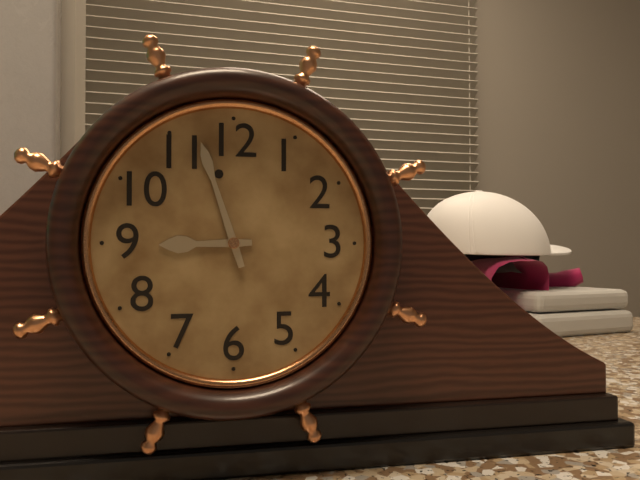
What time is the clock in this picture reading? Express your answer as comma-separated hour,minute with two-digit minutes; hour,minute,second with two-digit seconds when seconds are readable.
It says 8,57
